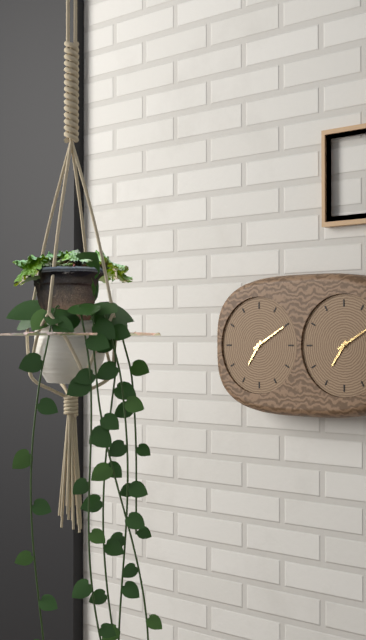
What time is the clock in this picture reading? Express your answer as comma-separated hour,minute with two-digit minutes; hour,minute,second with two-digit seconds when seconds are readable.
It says 7,10
